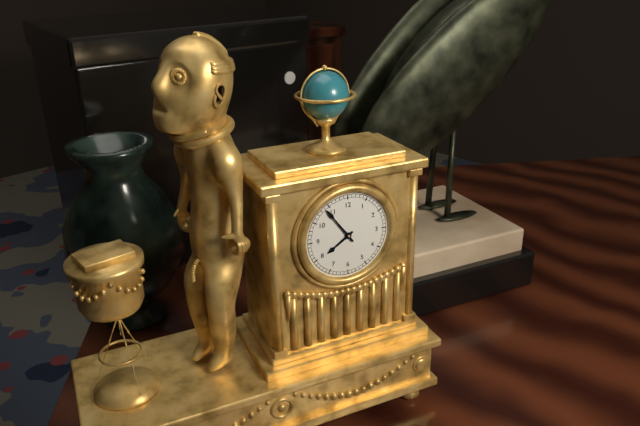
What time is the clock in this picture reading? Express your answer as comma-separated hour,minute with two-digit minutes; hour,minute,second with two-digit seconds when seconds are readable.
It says 7,54
